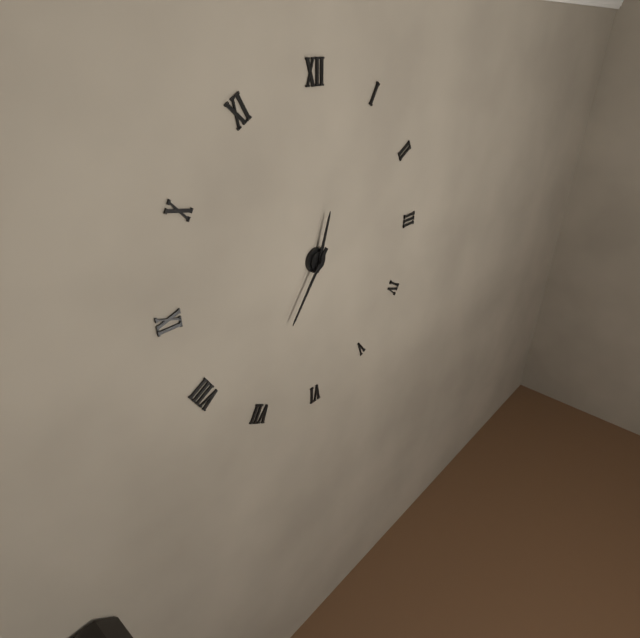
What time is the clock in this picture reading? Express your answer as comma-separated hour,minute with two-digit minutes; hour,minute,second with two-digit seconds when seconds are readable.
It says 12,36
